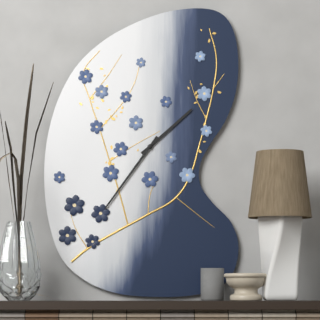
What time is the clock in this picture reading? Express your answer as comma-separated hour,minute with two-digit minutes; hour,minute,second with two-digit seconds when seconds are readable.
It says 1,36
